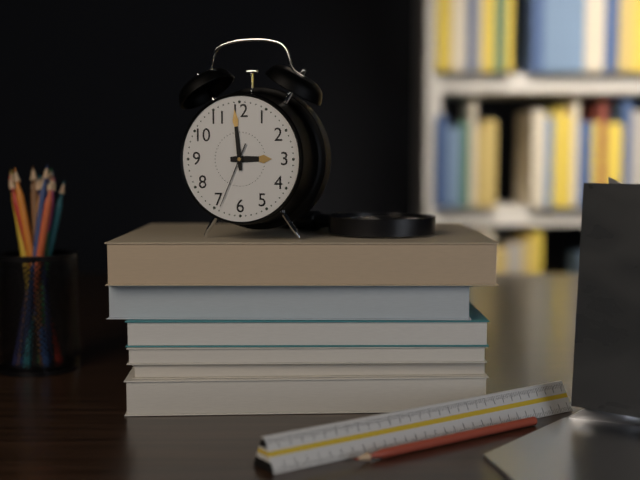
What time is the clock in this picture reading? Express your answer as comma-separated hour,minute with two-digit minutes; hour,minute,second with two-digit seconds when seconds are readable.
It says 2,59,34
